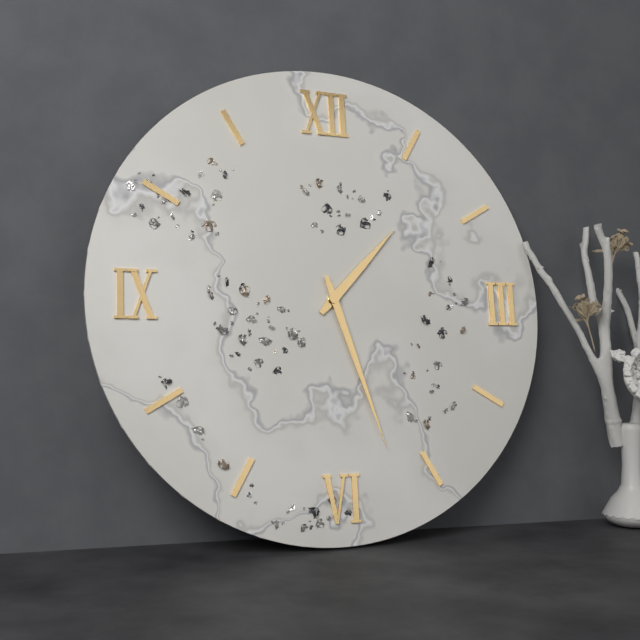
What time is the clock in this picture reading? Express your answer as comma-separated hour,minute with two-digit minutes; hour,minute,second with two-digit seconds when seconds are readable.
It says 1,27
